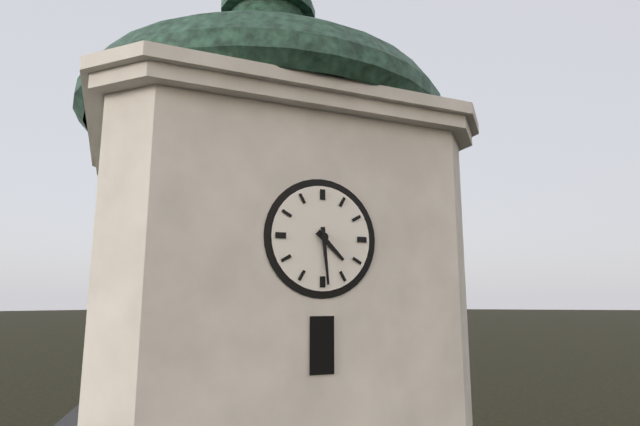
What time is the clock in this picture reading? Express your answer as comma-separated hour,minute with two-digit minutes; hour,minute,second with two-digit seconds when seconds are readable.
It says 4,29
